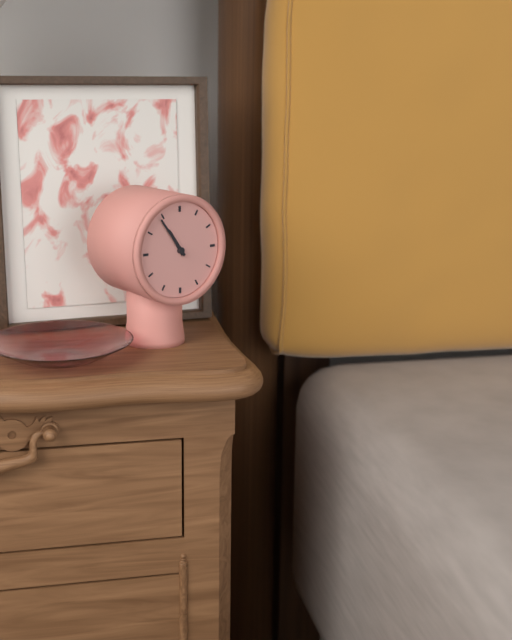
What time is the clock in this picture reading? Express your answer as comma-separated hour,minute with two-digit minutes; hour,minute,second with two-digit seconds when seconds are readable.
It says 10,54
